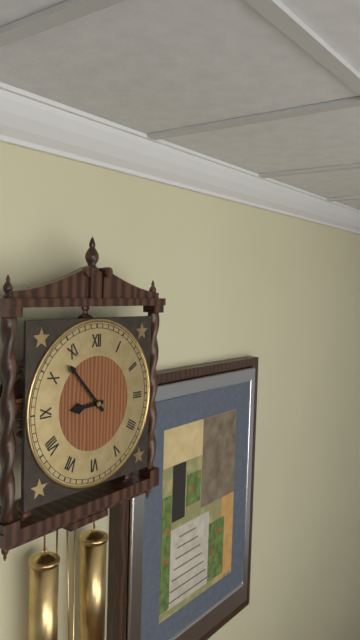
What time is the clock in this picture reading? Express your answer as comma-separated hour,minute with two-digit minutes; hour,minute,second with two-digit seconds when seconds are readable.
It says 8,53
